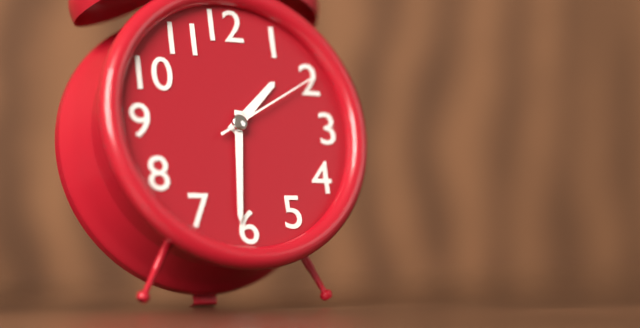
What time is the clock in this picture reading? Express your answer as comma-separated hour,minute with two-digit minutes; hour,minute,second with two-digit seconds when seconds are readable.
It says 1,31,10
